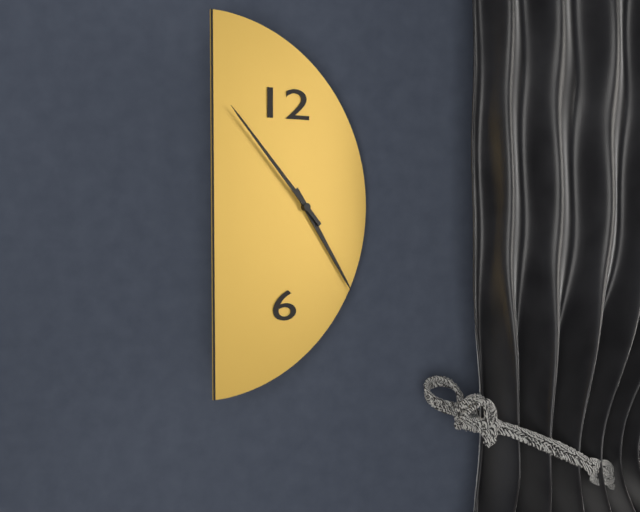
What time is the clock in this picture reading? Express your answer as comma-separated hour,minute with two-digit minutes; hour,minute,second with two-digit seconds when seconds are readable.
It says 4,53
